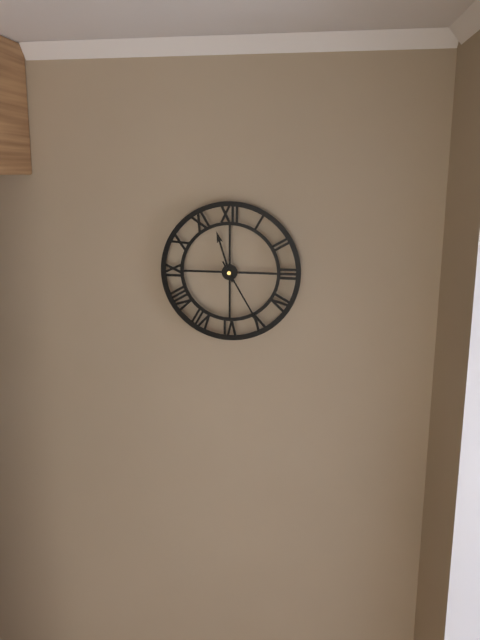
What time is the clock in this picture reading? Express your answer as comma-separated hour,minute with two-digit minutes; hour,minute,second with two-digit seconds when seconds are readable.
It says 11,25
